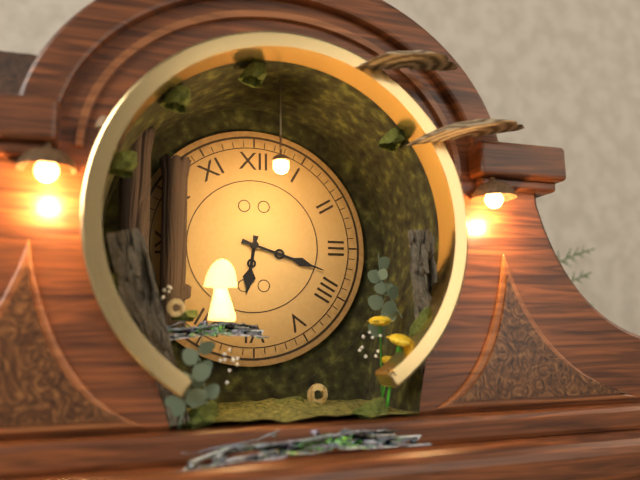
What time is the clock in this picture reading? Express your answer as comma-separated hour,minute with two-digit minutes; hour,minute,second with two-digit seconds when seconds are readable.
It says 6,18
